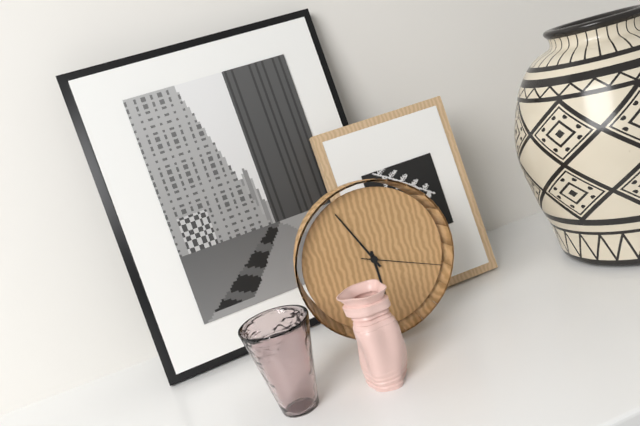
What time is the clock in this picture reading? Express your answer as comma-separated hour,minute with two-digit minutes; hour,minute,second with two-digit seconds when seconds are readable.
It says 5,56,19
